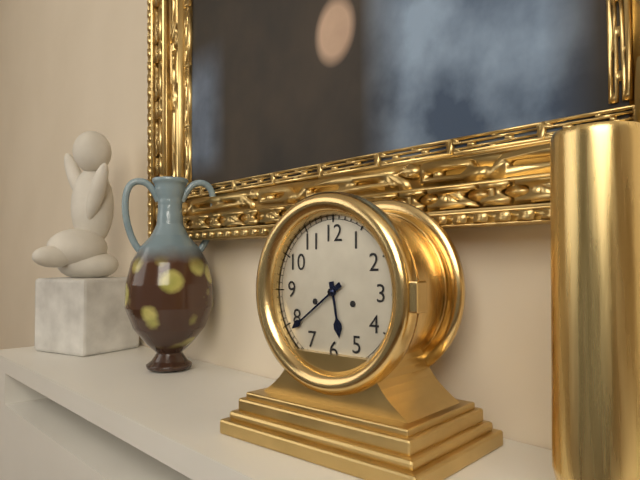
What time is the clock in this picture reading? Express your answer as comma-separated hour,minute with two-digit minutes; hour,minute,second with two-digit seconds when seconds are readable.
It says 5,39
